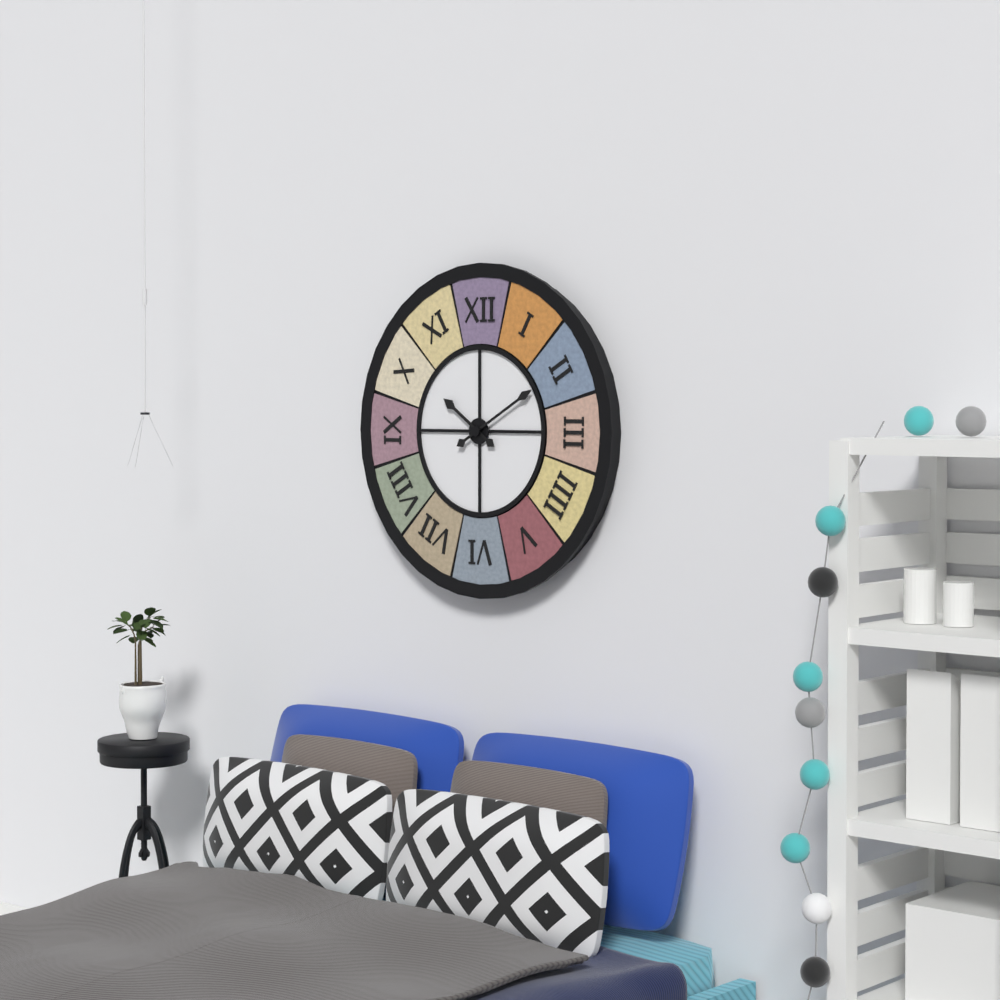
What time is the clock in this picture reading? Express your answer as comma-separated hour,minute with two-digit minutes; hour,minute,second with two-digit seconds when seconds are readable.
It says 10,10
